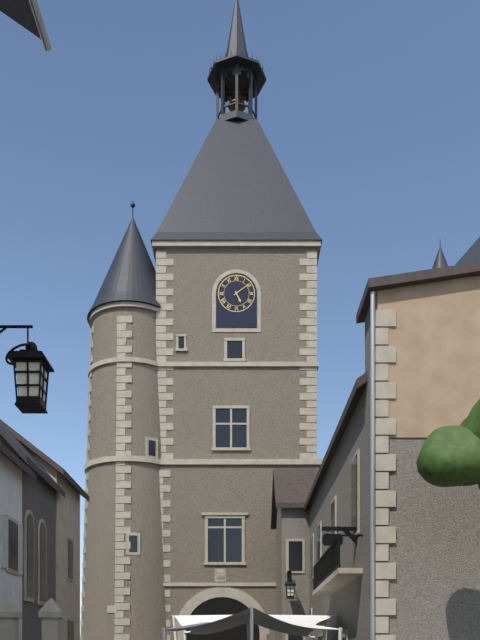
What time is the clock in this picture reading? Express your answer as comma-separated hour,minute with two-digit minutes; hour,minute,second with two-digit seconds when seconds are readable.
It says 5,09
